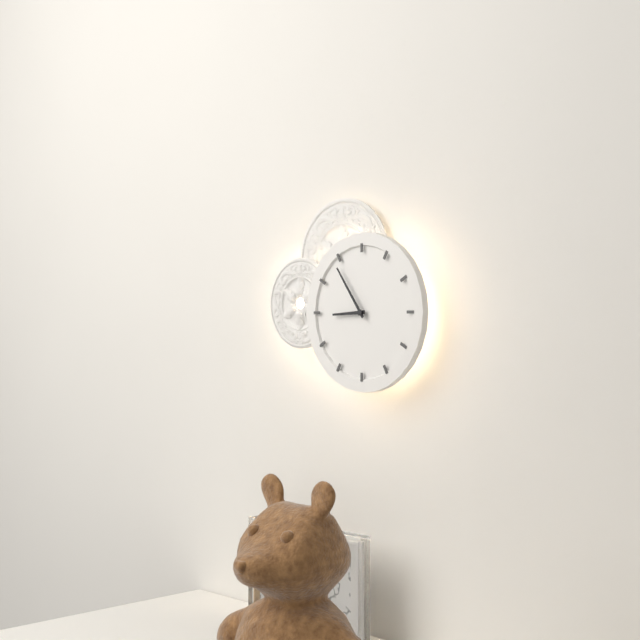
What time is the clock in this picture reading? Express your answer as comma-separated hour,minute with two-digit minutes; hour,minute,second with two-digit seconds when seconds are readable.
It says 8,54
